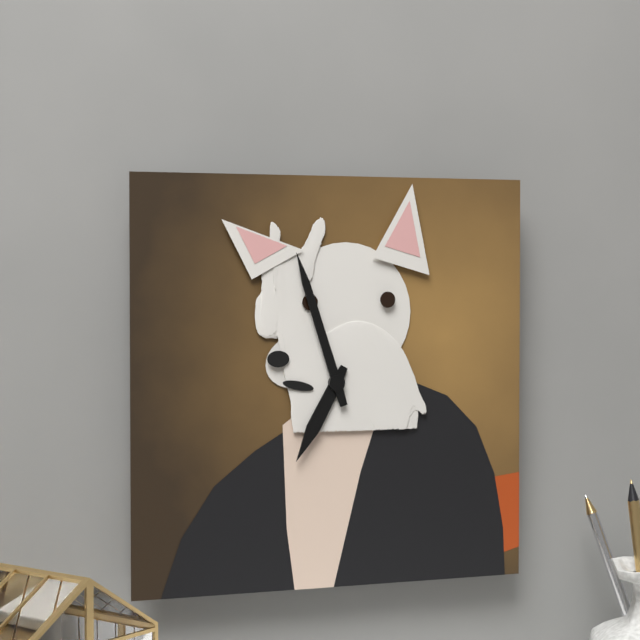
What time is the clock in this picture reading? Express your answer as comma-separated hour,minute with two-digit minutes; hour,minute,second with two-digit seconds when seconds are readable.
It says 6,57
